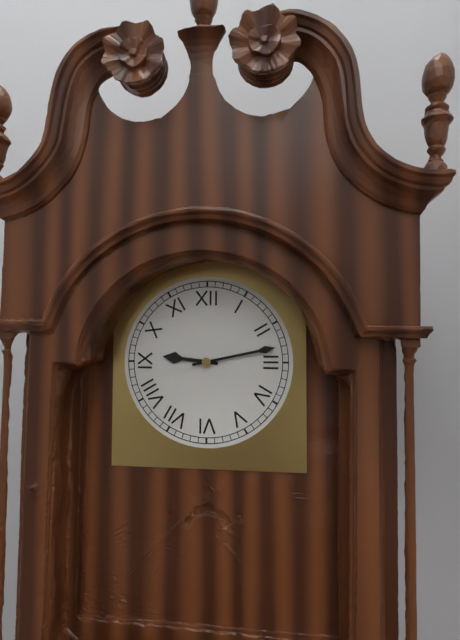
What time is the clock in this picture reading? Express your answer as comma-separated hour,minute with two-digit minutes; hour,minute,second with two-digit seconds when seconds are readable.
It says 9,13
